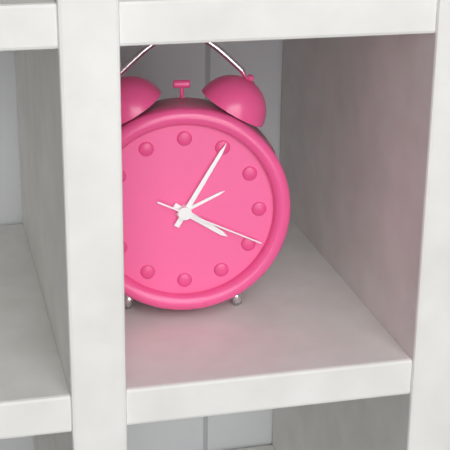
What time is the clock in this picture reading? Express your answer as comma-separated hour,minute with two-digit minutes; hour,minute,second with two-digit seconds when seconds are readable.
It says 4,05,19
